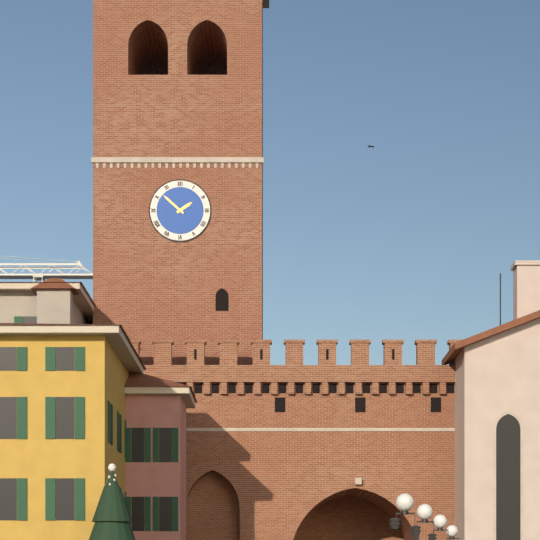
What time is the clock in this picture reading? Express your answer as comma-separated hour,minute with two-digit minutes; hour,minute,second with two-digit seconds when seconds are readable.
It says 1,52
